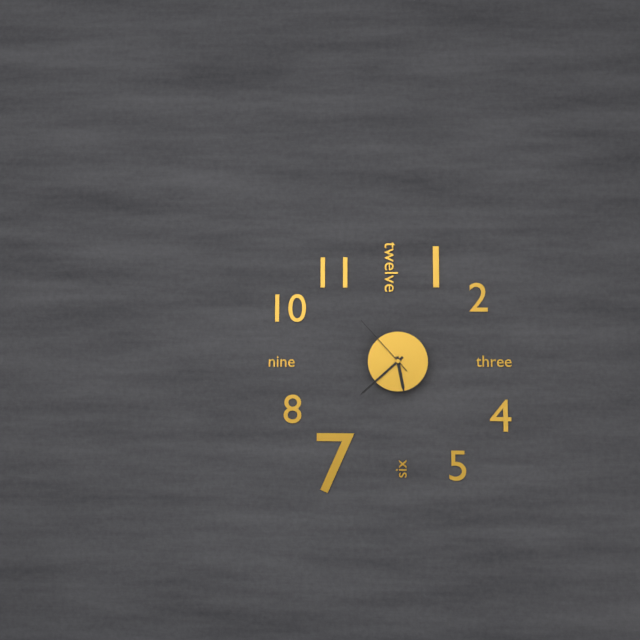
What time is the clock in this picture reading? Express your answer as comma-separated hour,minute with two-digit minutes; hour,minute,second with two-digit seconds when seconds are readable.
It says 5,38,53
